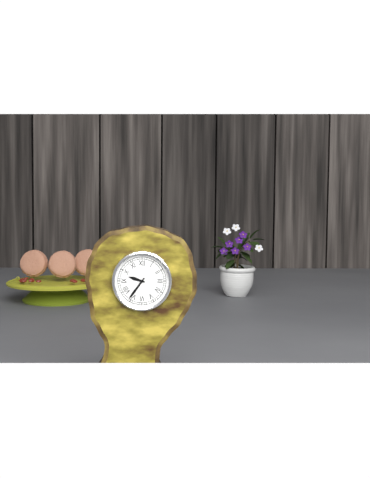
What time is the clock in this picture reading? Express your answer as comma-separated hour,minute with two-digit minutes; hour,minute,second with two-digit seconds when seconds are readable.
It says 9,36
